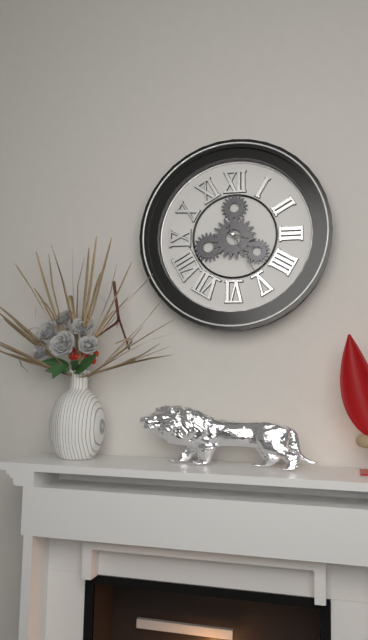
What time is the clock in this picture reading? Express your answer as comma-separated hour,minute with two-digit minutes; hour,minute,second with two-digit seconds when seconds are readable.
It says 3,25
